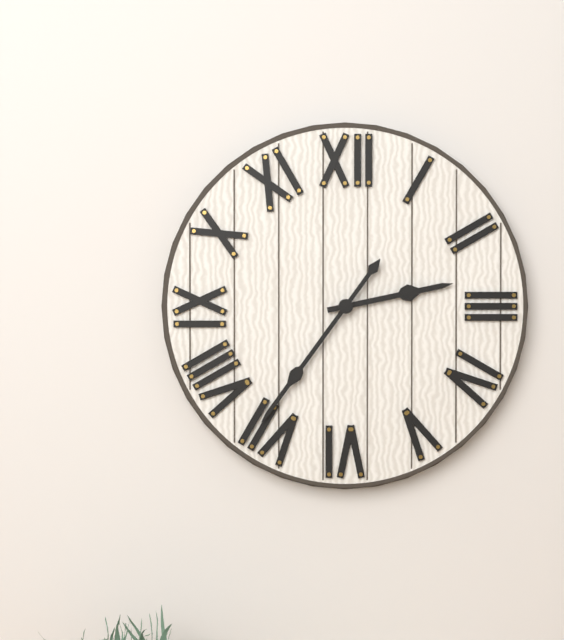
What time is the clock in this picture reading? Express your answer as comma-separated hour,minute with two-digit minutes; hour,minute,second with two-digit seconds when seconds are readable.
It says 2,36
